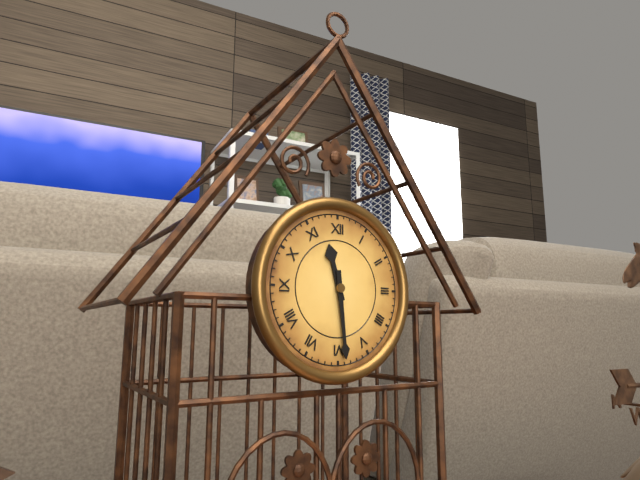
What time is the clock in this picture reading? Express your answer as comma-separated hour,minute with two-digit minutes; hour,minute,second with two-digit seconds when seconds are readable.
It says 11,29
